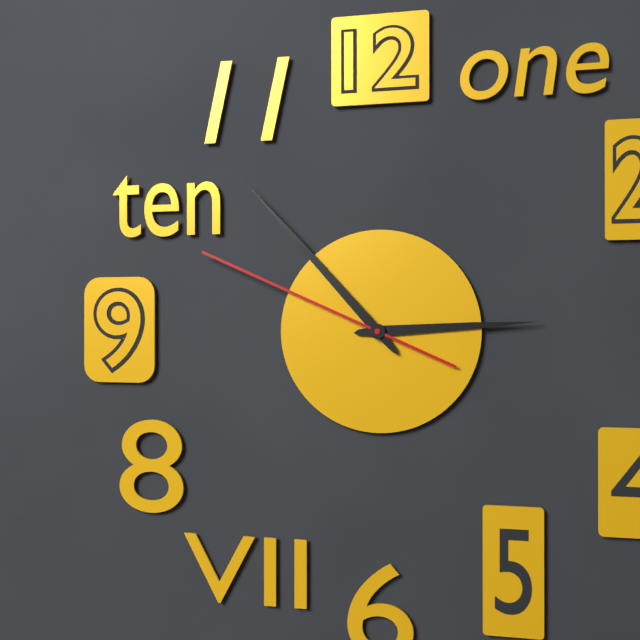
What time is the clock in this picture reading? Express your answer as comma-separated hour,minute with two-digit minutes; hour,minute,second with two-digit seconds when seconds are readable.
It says 2,53,49
